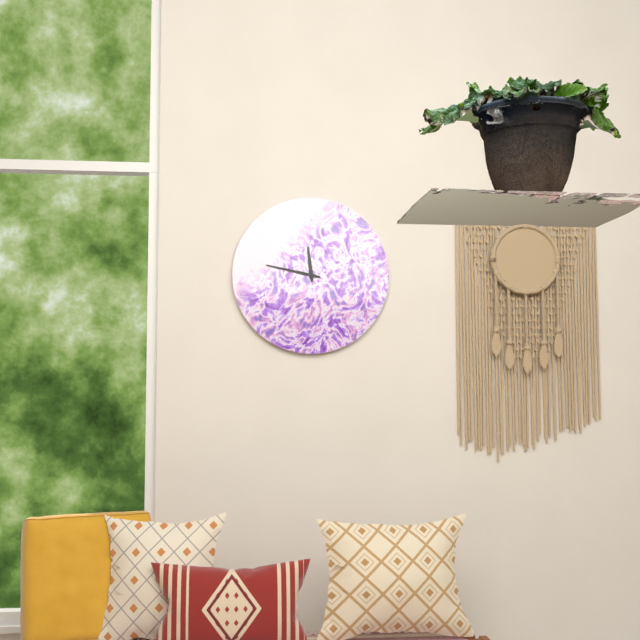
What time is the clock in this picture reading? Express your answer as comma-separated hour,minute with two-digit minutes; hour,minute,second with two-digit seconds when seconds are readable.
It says 11,47
